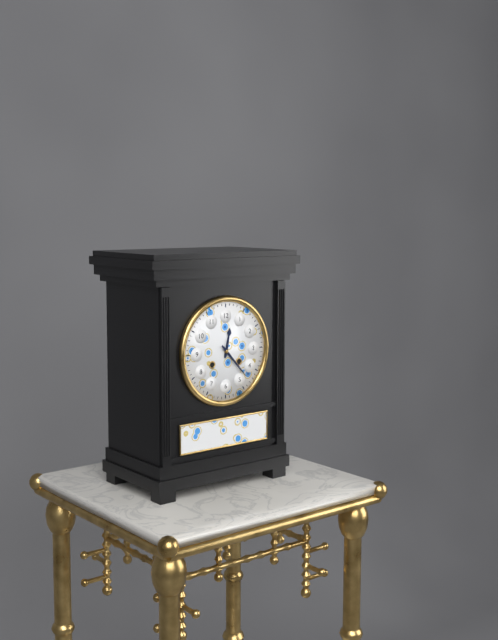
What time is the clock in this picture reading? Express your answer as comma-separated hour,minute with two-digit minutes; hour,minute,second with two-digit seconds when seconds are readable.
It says 12,23
